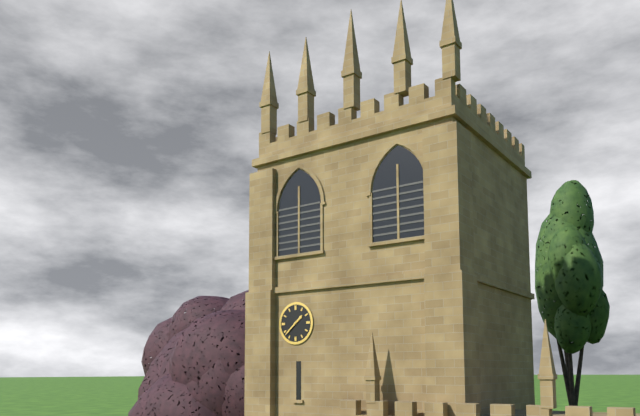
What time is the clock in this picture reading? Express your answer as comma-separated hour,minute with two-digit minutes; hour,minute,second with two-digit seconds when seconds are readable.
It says 1,38
